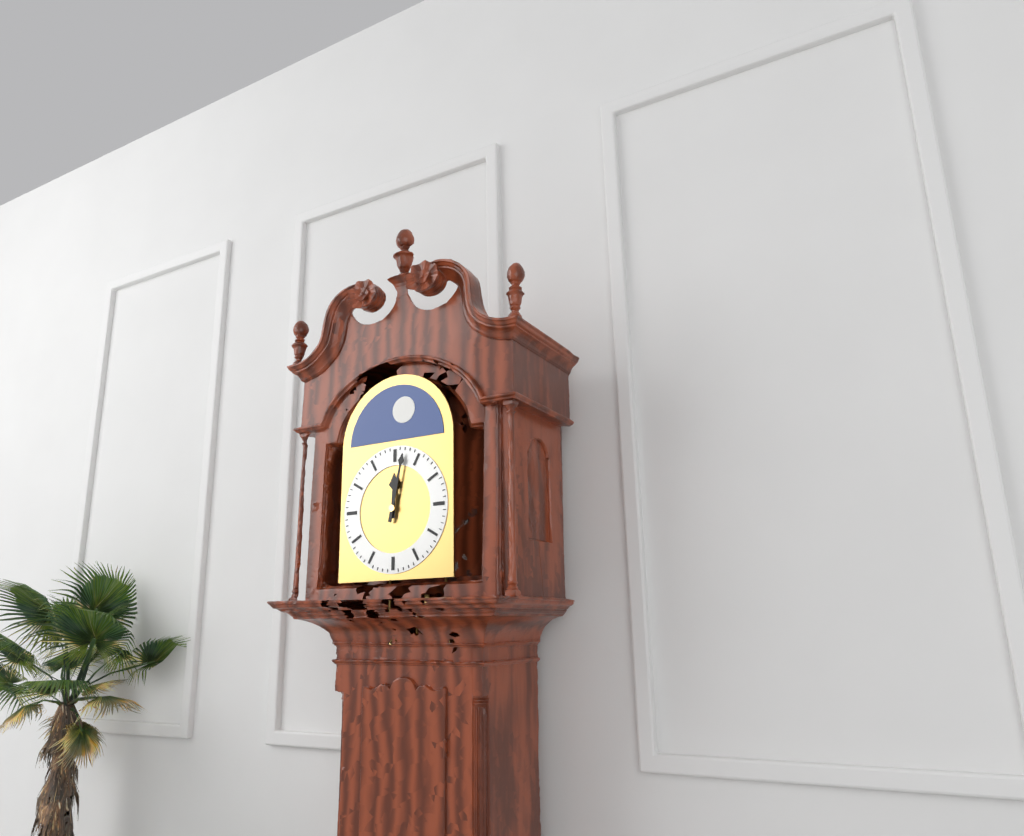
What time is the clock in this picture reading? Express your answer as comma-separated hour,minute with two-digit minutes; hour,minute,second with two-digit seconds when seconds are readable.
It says 12,02
